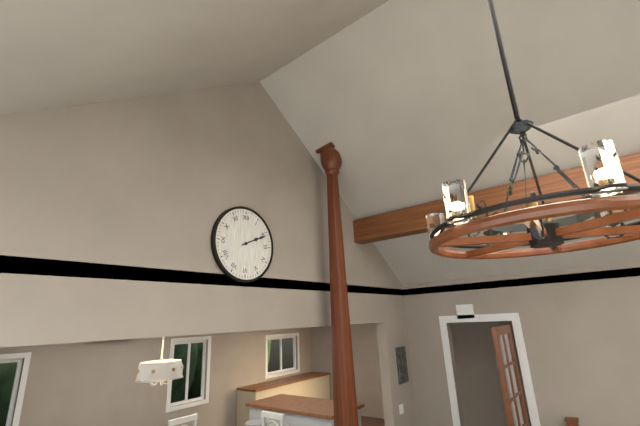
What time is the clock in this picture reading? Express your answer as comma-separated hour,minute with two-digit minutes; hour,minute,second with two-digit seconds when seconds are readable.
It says 2,11
